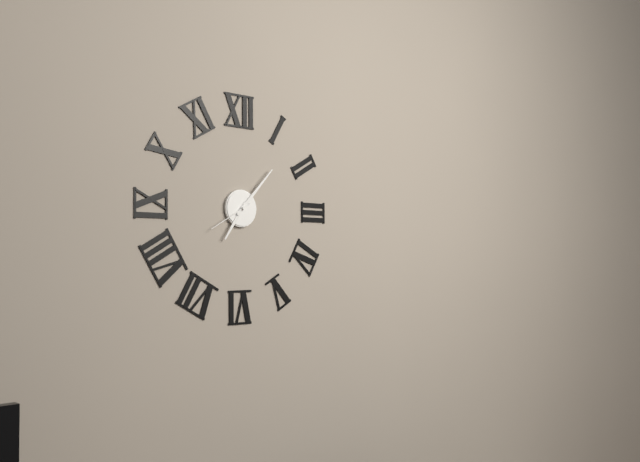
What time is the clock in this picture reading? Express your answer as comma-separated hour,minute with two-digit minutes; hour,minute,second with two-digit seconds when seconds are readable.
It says 7,07
